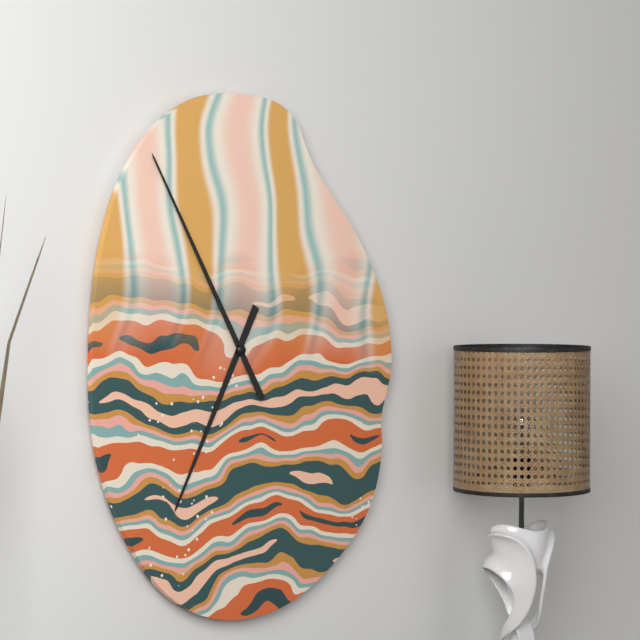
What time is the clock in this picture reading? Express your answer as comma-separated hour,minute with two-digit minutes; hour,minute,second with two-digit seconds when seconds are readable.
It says 6,55
